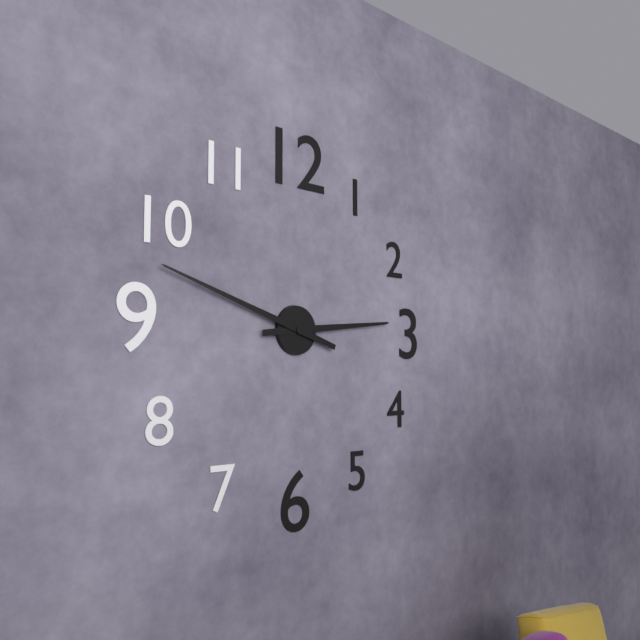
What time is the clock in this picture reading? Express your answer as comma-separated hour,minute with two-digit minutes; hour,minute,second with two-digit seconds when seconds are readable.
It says 2,48
